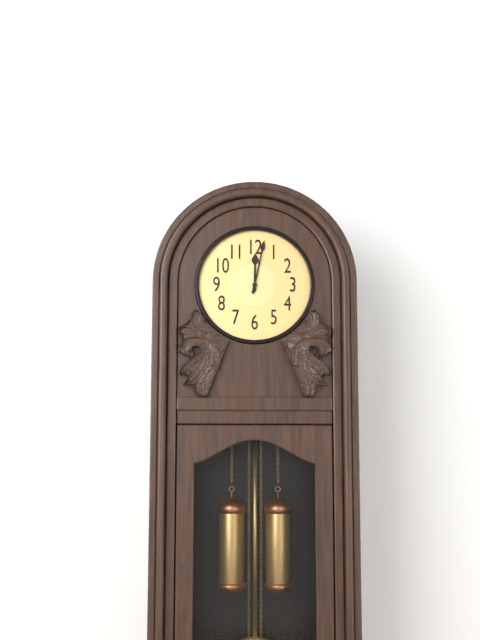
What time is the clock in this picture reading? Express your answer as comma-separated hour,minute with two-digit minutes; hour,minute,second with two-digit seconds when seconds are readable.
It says 12,02
